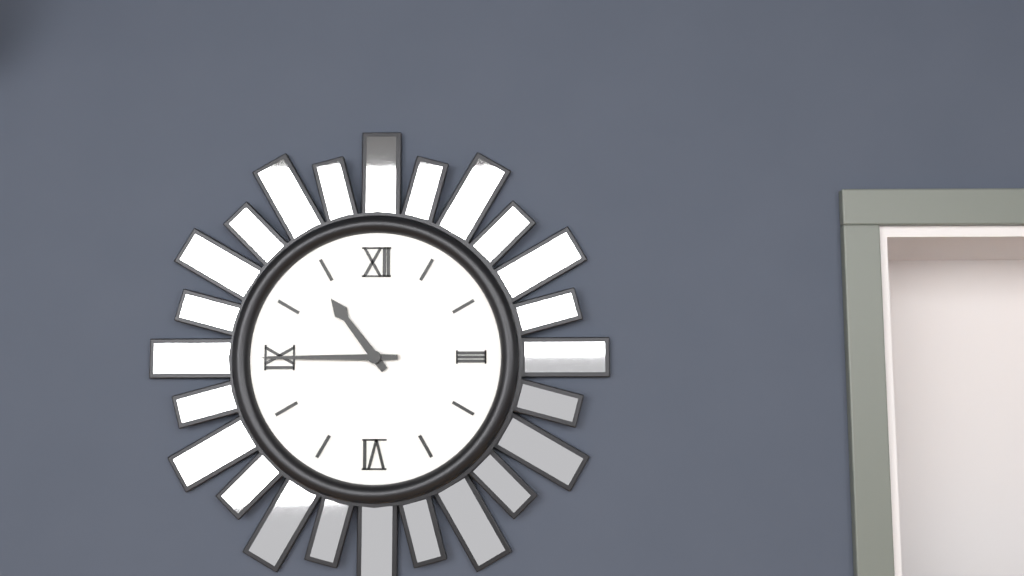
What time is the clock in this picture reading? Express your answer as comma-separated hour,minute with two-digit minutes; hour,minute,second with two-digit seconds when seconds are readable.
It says 10,45
